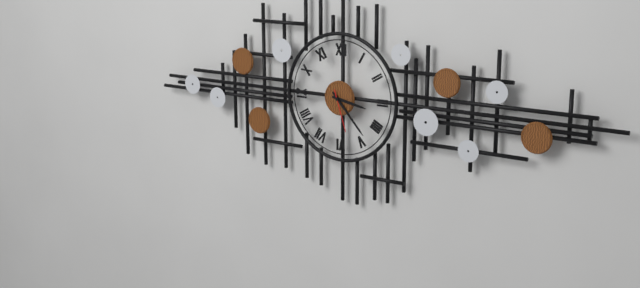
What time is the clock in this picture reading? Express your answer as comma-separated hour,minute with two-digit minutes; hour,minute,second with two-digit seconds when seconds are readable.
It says 3,23
